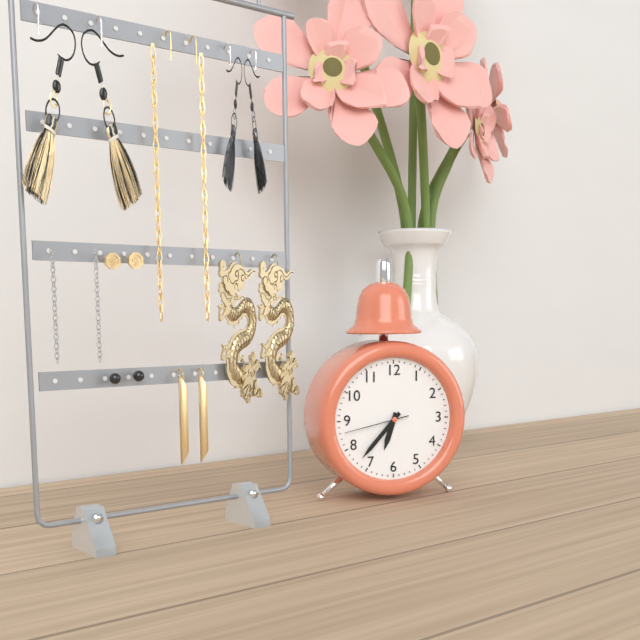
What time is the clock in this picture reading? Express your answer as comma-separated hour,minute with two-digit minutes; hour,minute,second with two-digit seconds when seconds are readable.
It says 6,37,43
